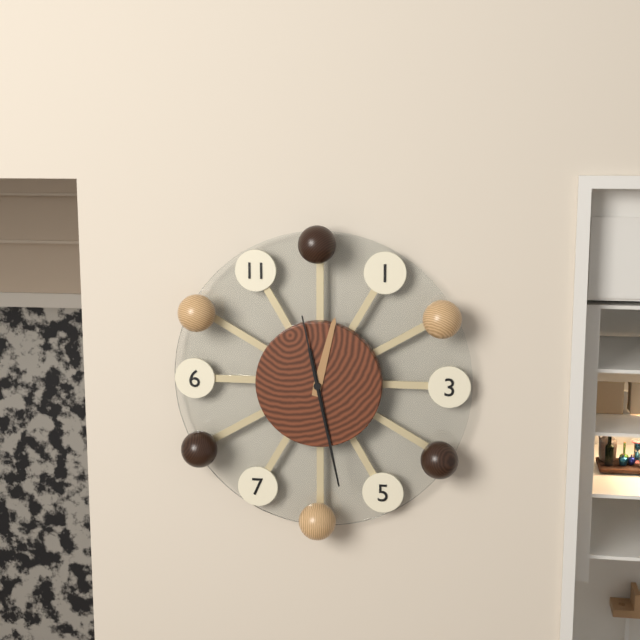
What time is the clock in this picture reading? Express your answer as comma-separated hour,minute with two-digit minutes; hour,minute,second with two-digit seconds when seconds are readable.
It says 12,28,58
